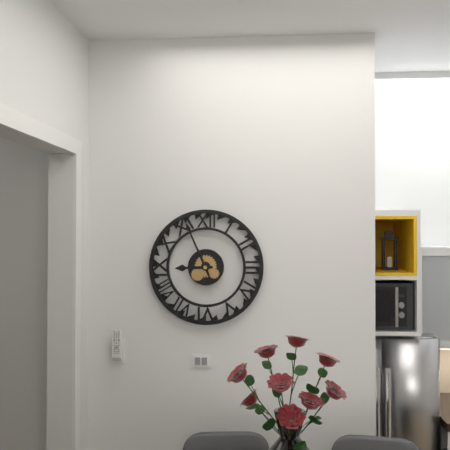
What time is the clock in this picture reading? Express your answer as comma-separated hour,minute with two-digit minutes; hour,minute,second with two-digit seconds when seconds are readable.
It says 8,56
